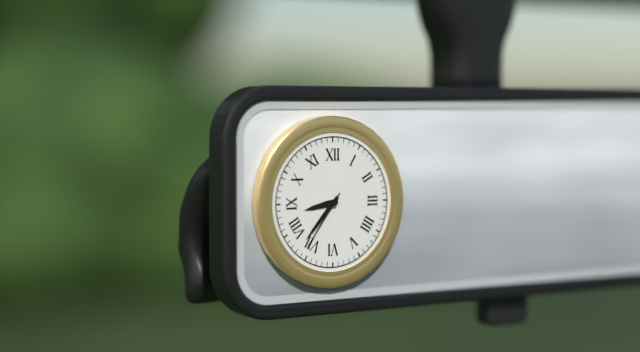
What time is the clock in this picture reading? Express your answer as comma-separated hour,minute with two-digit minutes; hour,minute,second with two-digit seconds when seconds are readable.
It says 8,37,36
